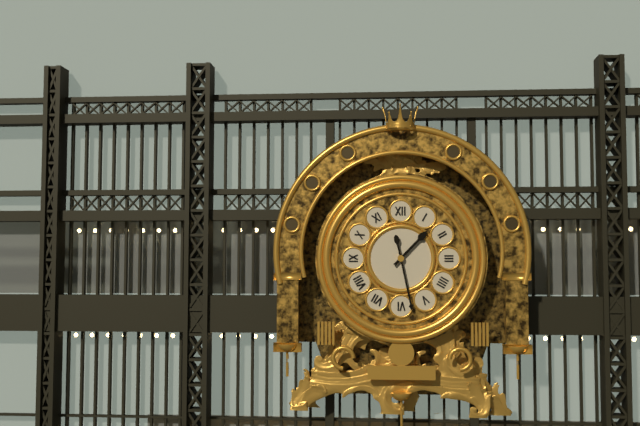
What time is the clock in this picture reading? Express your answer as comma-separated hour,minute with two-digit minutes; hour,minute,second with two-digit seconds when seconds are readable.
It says 1,28
